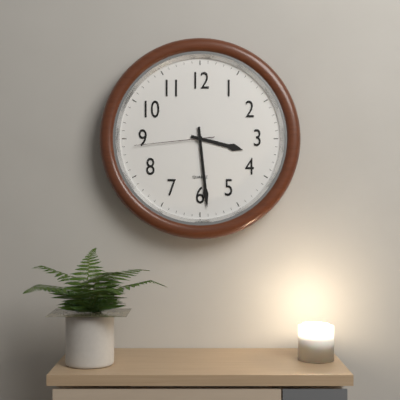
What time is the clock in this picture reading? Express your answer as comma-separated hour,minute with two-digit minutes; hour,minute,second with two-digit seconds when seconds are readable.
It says 3,29,44
